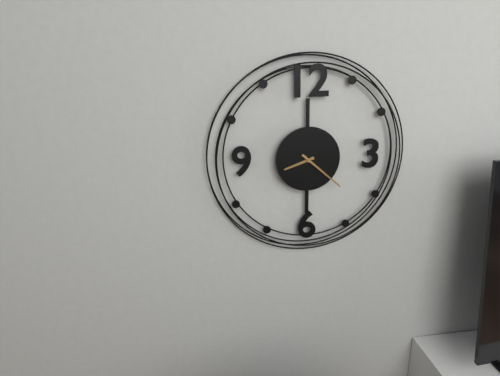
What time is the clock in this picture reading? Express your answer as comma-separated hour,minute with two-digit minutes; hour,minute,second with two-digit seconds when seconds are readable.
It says 8,22
